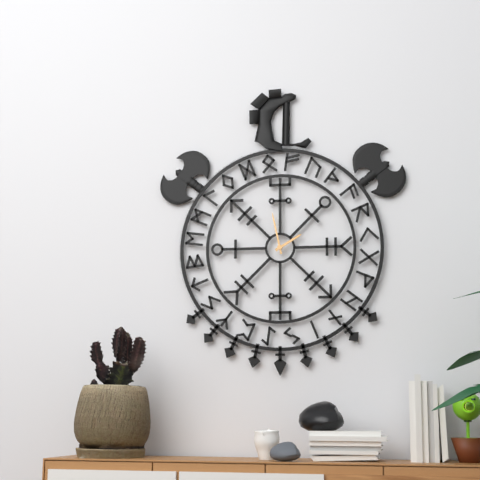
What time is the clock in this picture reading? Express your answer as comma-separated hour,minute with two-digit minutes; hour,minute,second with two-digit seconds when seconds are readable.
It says 1,58
